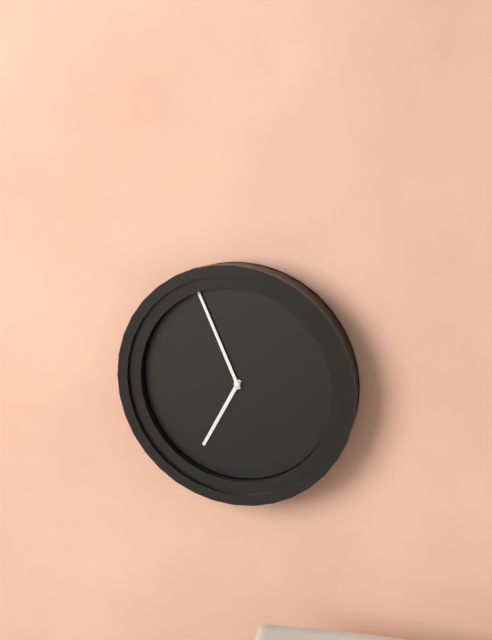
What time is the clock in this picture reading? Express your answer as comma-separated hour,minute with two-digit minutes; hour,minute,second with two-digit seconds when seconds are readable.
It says 6,56
